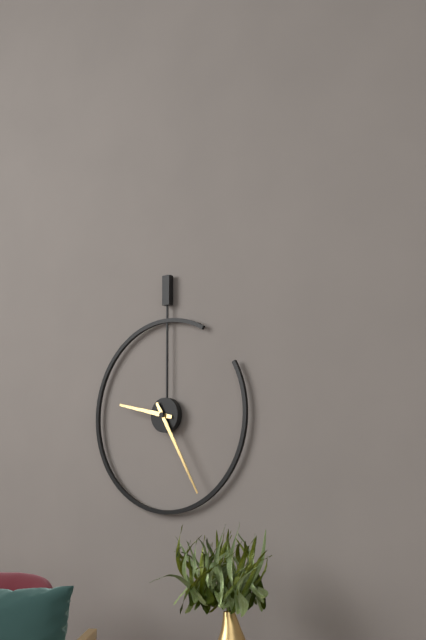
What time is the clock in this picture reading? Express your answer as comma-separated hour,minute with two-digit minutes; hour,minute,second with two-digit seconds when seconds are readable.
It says 9,25
